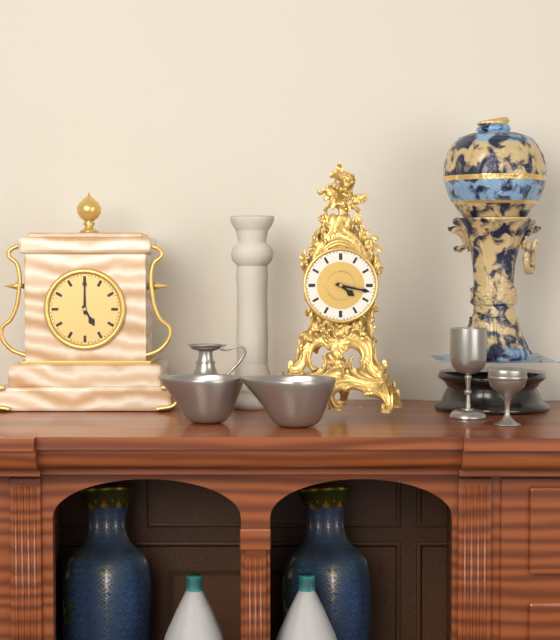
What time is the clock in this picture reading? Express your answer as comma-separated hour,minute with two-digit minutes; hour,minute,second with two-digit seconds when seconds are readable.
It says 4,17
